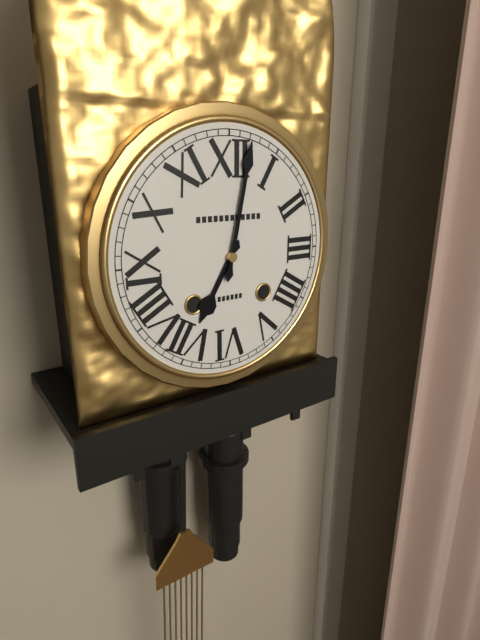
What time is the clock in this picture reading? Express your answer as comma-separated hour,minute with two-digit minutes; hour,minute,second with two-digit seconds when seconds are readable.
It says 7,02
